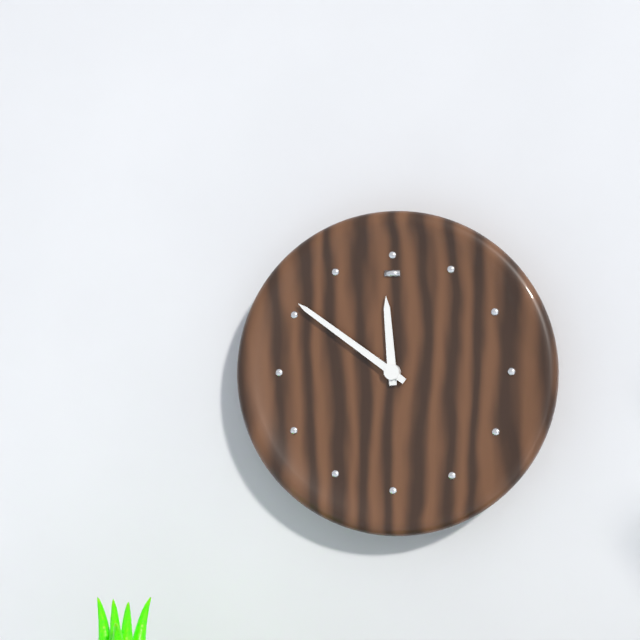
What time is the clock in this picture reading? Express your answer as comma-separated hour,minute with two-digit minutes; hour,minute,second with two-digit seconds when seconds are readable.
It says 11,51
